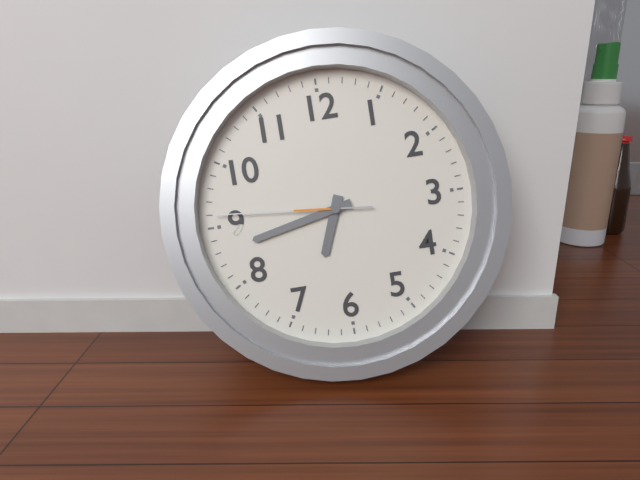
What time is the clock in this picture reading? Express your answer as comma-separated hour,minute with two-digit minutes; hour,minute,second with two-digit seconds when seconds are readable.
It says 6,43,46
